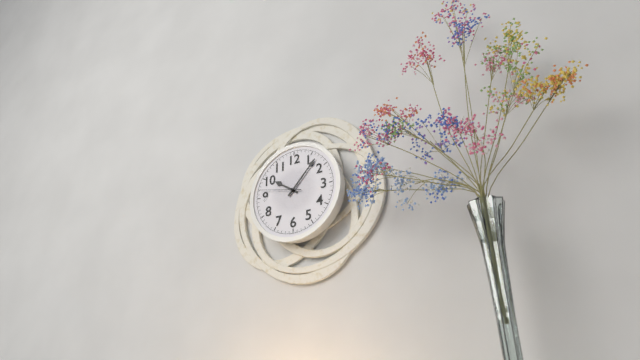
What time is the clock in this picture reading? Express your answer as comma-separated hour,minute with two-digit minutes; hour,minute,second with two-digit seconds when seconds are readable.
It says 10,07,47
